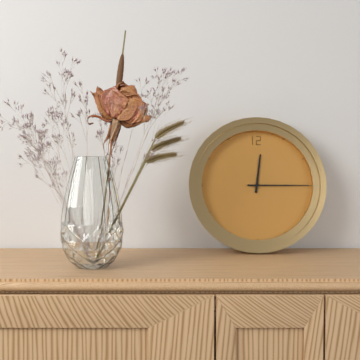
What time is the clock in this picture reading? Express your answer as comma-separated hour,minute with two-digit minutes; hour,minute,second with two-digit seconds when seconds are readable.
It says 12,15
